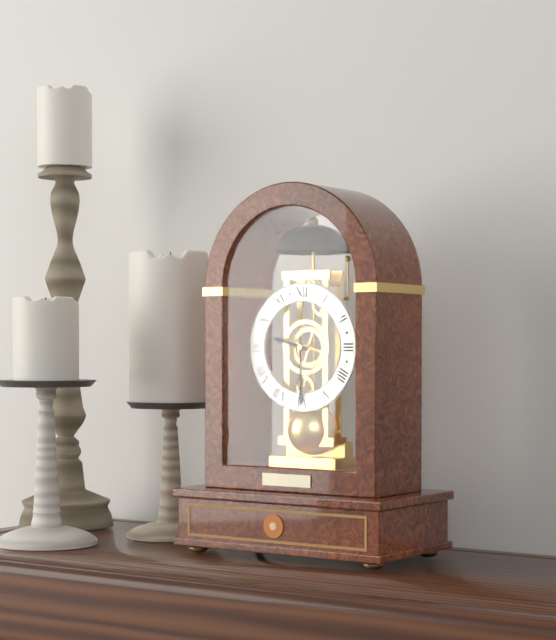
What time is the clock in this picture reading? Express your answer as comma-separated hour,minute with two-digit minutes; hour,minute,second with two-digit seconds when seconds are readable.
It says 9,30
